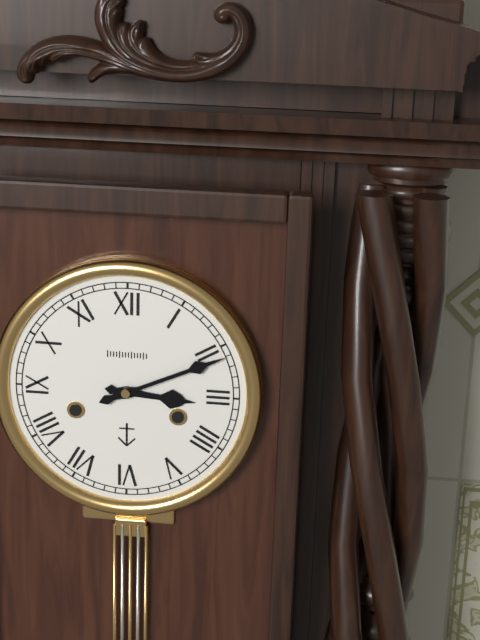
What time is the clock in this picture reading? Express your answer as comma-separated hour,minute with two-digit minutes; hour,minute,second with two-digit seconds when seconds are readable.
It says 3,11
